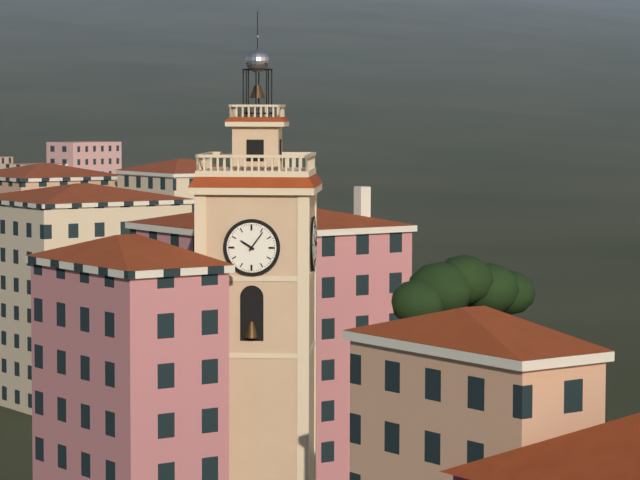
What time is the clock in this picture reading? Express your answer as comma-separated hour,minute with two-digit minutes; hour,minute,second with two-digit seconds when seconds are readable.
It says 10,06
